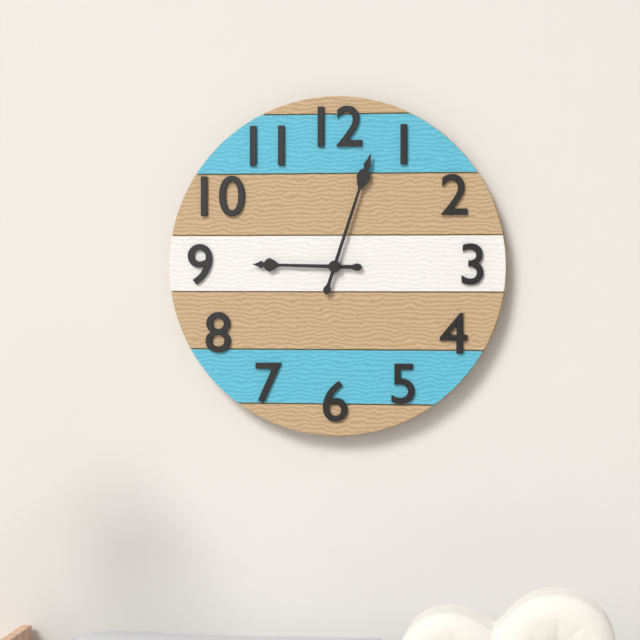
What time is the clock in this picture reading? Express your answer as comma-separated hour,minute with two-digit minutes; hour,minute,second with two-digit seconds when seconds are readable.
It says 9,03
